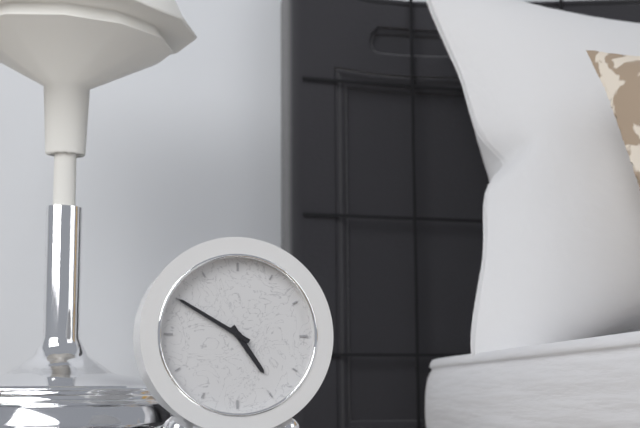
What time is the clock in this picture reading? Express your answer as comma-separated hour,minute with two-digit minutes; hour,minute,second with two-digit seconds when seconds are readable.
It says 4,50
